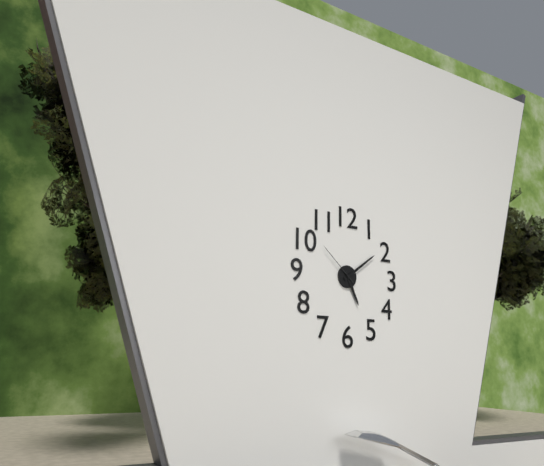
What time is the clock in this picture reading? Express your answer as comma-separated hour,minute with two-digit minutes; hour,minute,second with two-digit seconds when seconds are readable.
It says 5,09
